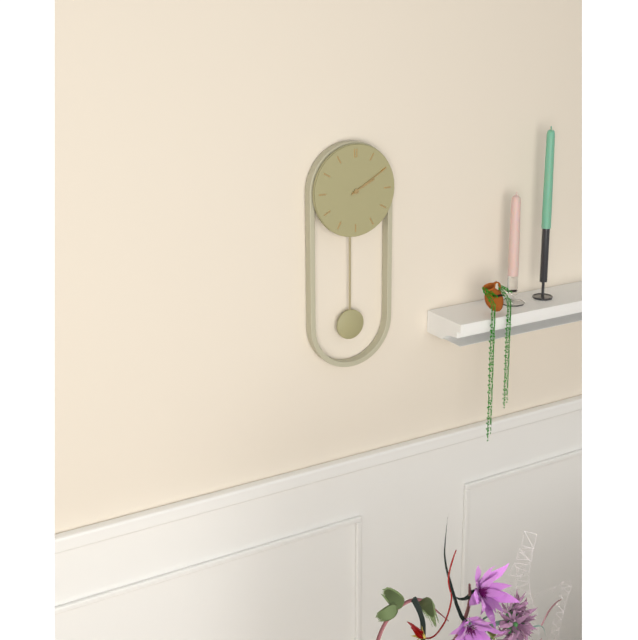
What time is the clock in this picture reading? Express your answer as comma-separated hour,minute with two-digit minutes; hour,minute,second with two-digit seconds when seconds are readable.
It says 2,10
